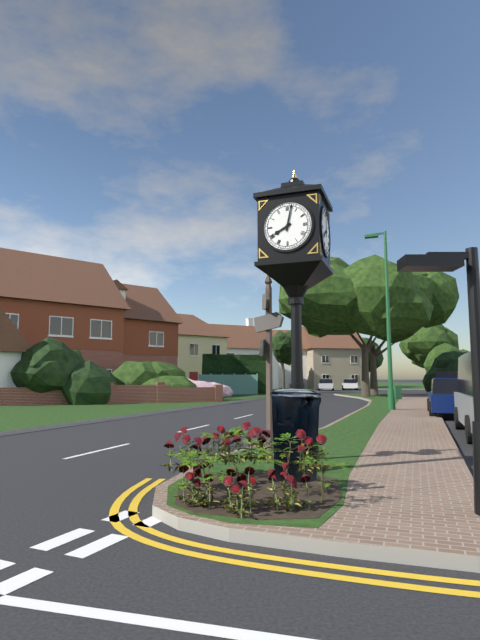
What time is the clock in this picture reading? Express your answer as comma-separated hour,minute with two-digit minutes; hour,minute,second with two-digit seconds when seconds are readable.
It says 8,02
